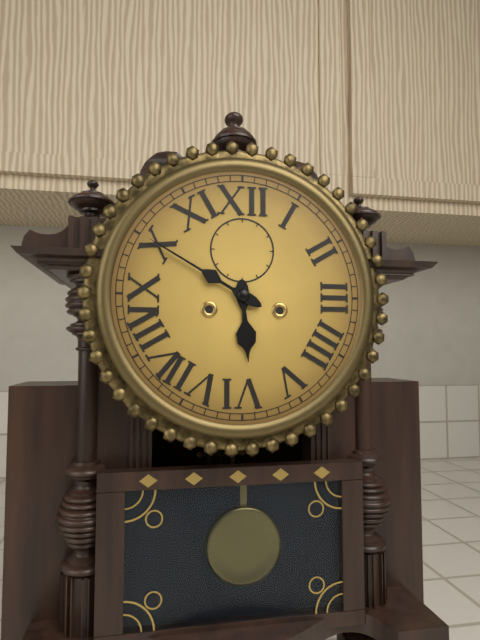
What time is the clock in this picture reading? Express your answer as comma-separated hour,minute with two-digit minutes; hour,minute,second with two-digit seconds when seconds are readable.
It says 5,50
